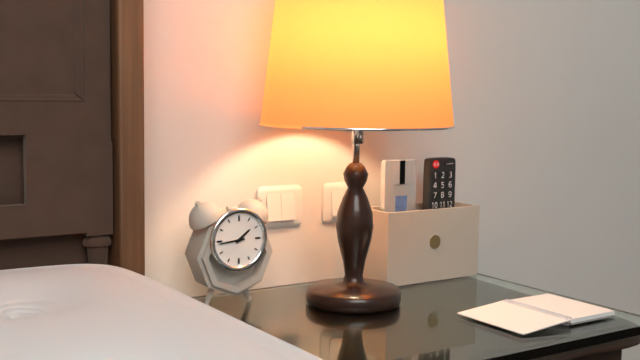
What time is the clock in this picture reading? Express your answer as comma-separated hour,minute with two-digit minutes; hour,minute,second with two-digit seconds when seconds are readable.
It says 1,44
